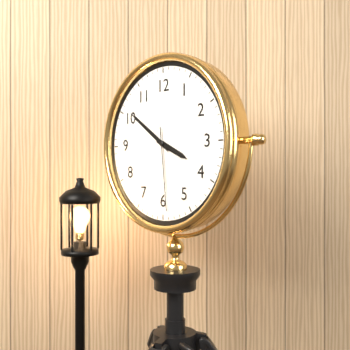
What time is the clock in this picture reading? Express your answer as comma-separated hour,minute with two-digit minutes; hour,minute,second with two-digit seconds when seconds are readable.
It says 3,51,29
